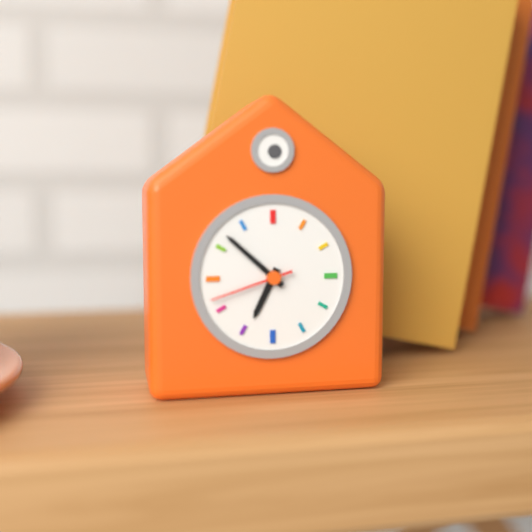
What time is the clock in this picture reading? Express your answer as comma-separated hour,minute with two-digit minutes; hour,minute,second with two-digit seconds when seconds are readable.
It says 6,52,42
